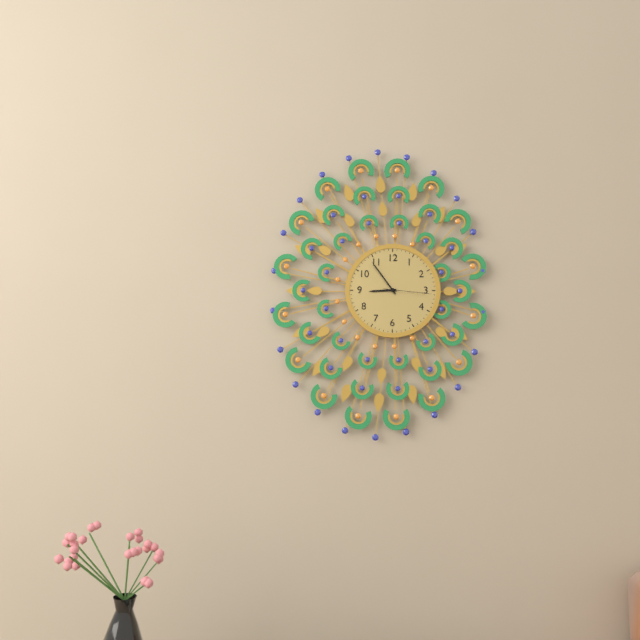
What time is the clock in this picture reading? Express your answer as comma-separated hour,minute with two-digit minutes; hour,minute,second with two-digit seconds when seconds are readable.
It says 8,54,16
